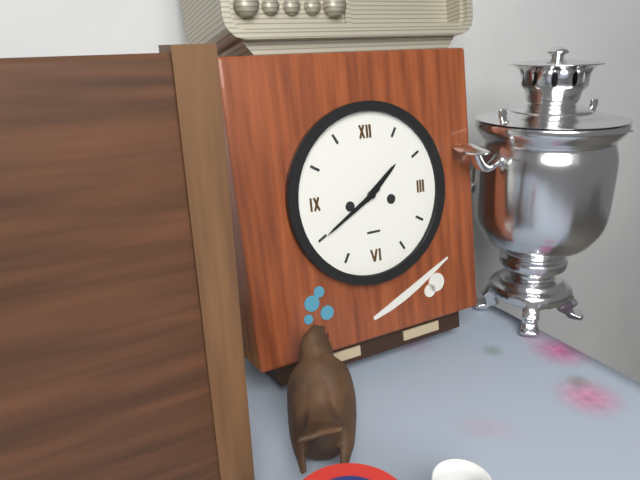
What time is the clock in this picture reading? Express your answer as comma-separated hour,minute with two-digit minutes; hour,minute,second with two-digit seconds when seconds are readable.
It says 1,40
